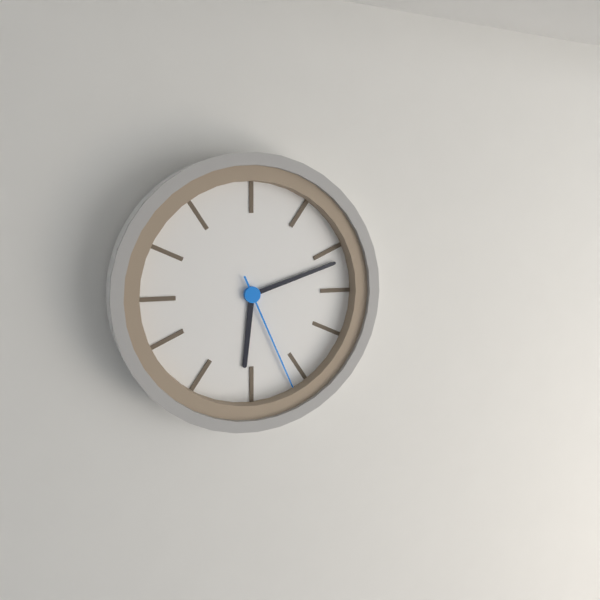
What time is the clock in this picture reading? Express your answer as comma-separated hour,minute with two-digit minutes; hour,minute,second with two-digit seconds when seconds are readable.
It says 6,12,26
